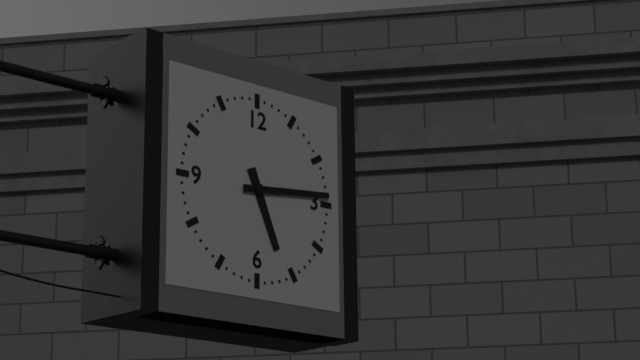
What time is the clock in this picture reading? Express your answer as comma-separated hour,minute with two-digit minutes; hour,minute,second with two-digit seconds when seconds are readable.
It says 5,14
